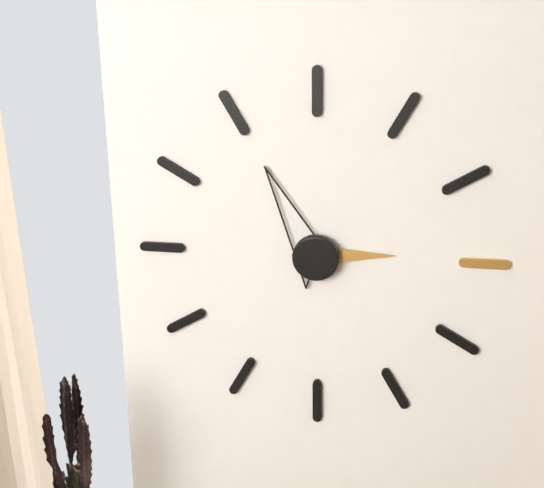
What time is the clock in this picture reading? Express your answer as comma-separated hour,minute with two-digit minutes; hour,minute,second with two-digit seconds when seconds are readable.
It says 2,55
